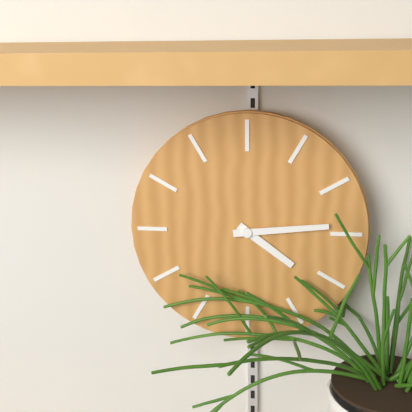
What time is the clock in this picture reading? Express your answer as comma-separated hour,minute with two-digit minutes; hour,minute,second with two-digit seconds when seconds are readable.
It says 4,14
